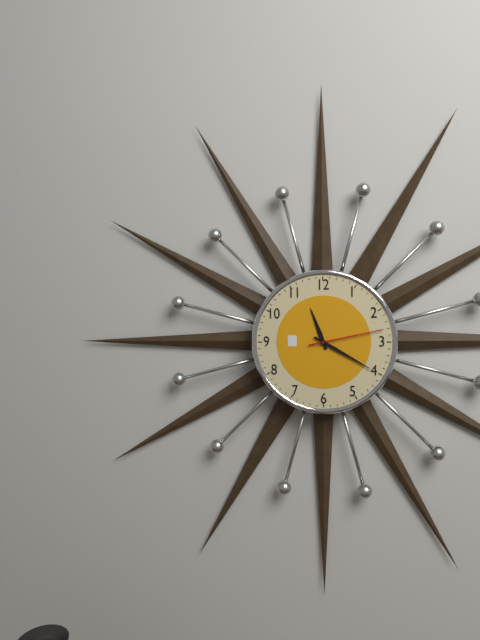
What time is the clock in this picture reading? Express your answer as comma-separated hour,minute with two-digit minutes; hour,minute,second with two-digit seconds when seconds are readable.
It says 11,20,13
